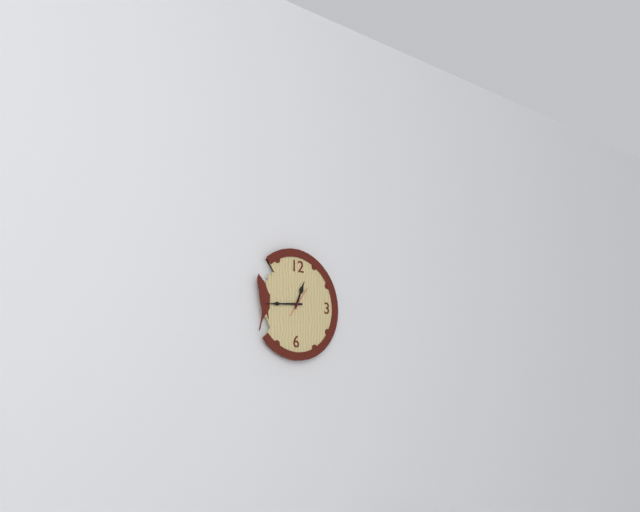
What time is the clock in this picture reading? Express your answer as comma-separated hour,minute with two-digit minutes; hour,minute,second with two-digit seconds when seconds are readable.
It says 12,44
